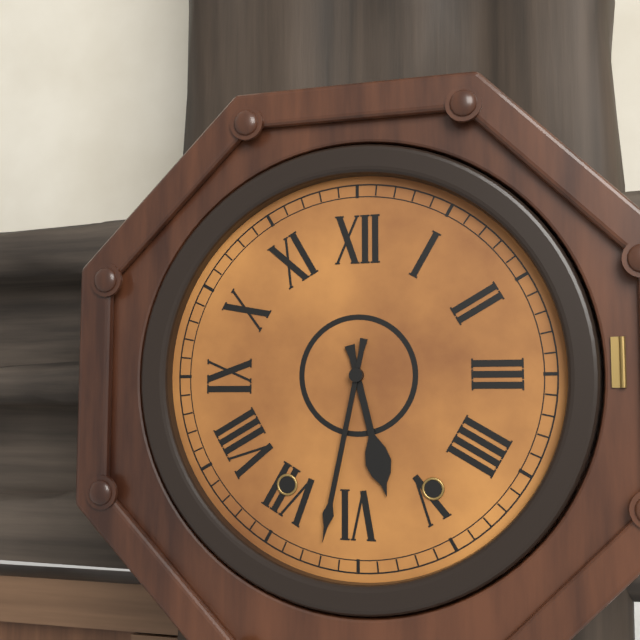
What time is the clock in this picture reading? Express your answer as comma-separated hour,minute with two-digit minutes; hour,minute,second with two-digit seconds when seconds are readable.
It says 5,32
